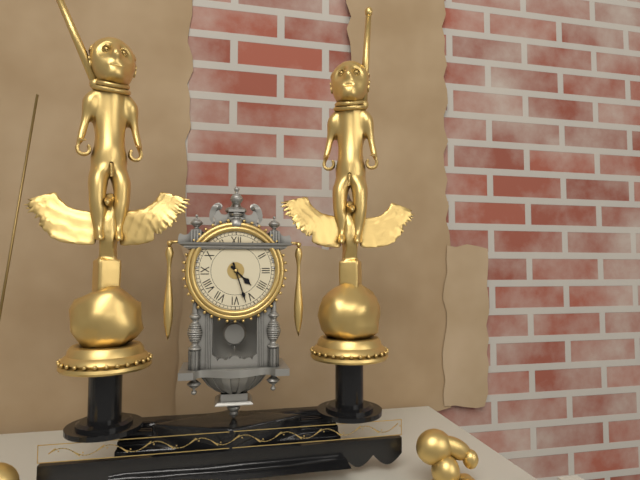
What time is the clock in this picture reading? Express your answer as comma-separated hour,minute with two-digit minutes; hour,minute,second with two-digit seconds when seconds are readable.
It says 4,27
